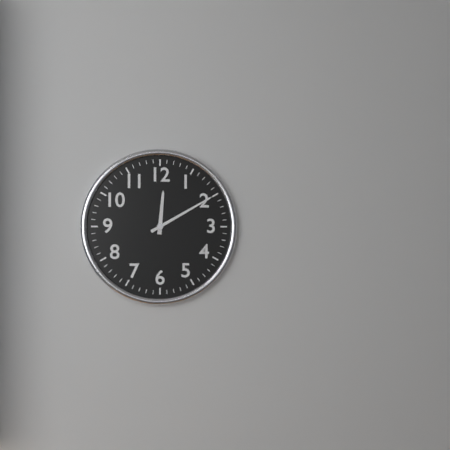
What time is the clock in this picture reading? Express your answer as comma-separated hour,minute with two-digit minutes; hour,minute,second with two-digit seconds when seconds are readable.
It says 12,10
